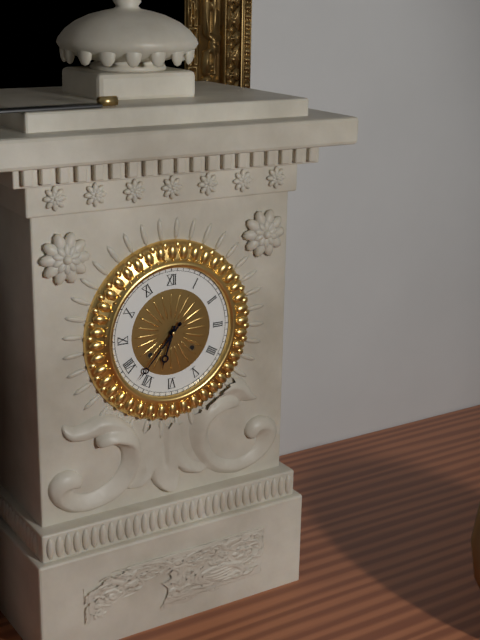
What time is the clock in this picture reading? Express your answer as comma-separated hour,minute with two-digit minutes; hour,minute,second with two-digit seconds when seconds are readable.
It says 6,37
